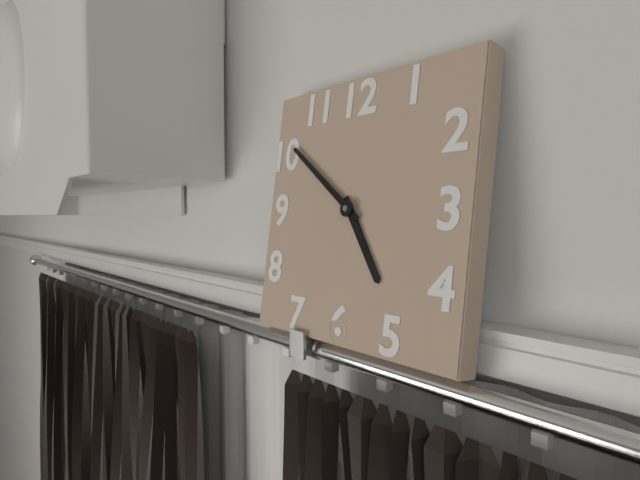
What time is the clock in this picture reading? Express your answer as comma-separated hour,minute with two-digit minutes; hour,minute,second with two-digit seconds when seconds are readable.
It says 4,51
